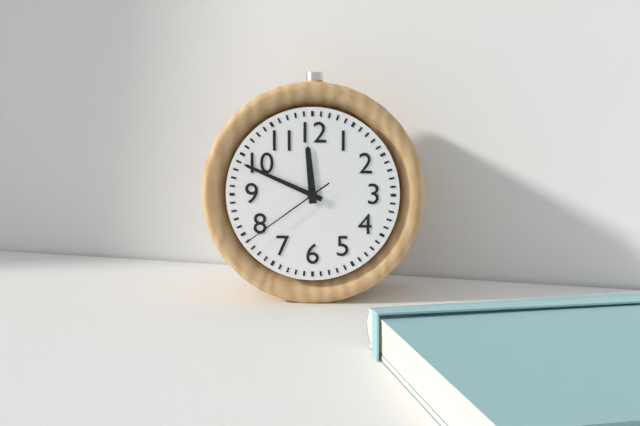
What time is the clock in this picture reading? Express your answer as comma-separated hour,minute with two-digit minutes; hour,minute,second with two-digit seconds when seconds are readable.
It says 11,49,39
